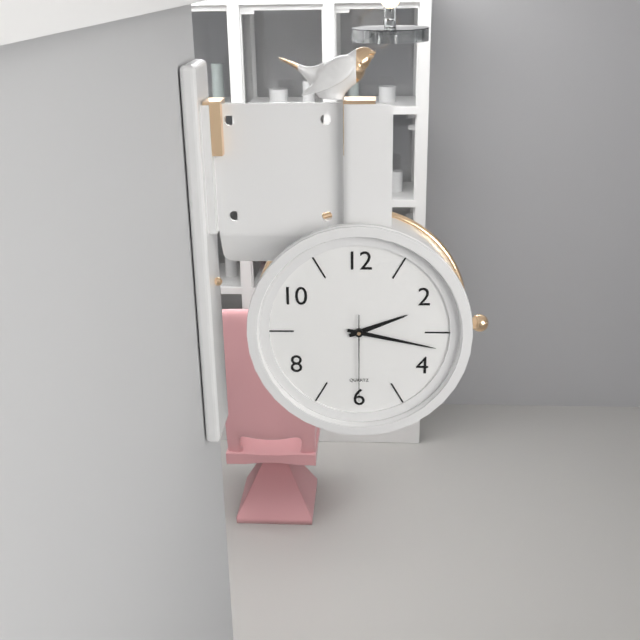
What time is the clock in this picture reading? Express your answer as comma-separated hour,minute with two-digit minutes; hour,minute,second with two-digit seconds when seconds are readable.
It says 2,17,30
